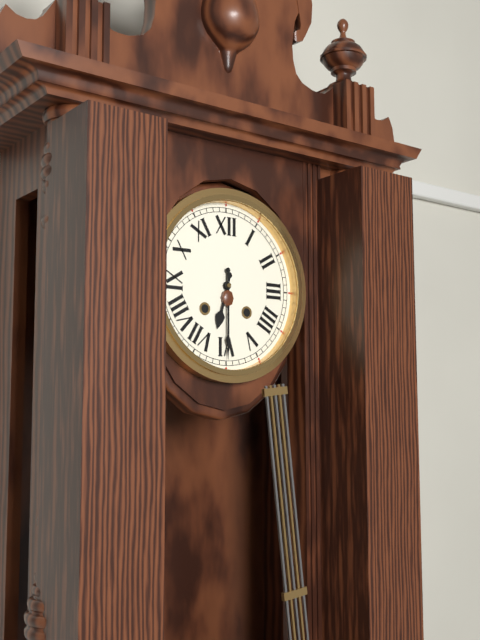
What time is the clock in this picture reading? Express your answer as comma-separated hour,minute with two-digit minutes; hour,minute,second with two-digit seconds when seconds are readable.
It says 6,30
